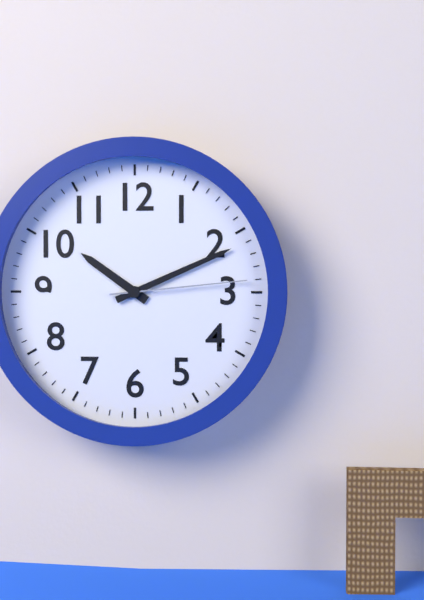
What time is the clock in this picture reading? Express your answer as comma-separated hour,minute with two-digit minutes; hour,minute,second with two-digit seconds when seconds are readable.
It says 10,11,14
